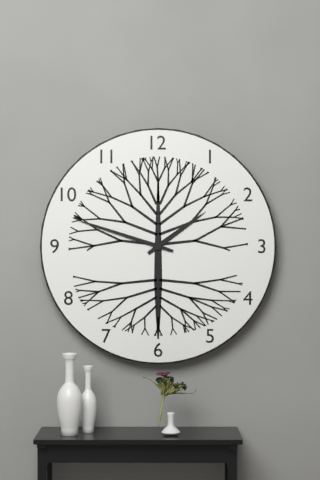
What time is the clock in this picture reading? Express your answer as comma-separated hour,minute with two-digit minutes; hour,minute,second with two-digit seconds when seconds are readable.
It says 1,48
